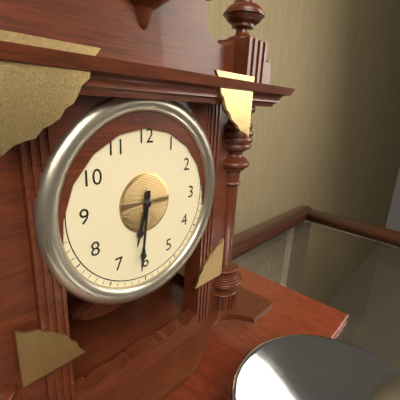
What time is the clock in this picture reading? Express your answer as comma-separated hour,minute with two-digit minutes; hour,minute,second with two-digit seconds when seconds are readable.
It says 6,31
